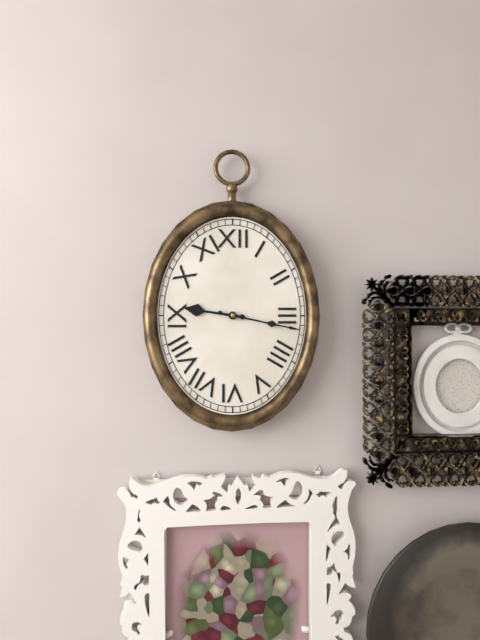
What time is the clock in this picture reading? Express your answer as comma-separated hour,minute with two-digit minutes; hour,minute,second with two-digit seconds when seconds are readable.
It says 9,17
